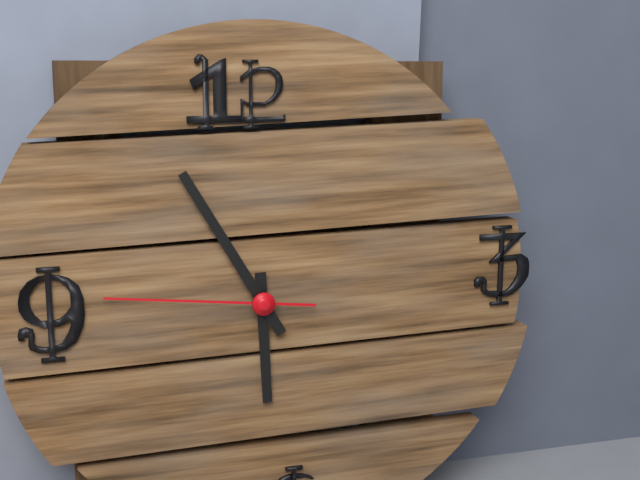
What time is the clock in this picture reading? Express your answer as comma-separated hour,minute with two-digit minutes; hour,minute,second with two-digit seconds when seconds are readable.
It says 5,55,46
